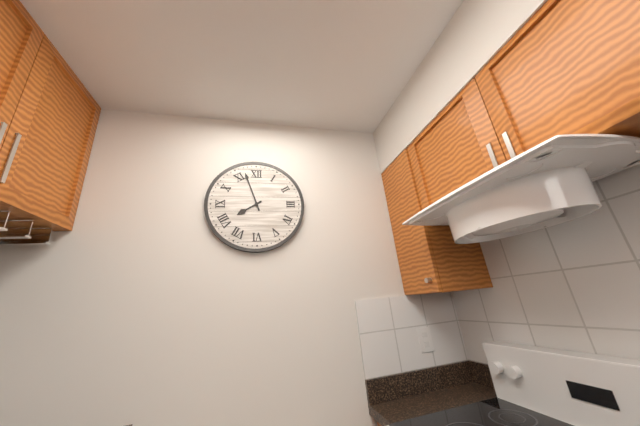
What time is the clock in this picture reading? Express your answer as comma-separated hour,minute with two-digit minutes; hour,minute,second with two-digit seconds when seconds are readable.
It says 7,57
